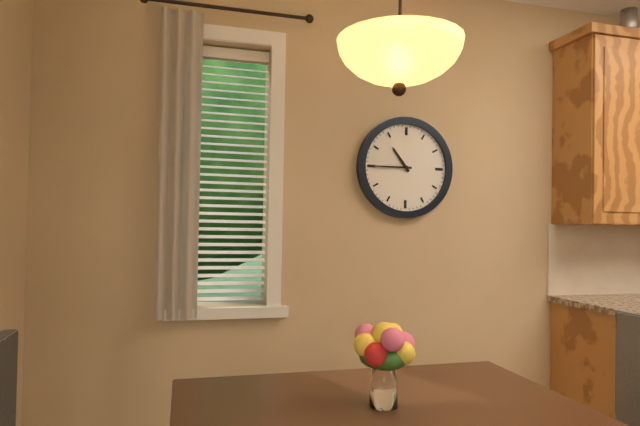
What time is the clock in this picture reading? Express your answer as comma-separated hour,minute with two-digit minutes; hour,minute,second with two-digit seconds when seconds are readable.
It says 10,45
